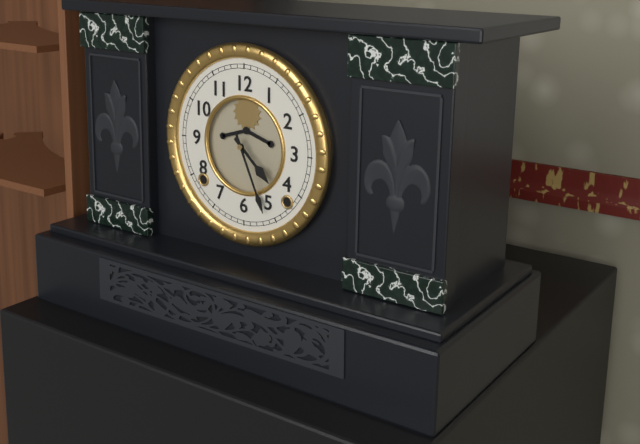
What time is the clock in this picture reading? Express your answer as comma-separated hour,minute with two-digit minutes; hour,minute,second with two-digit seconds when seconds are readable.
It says 4,26
